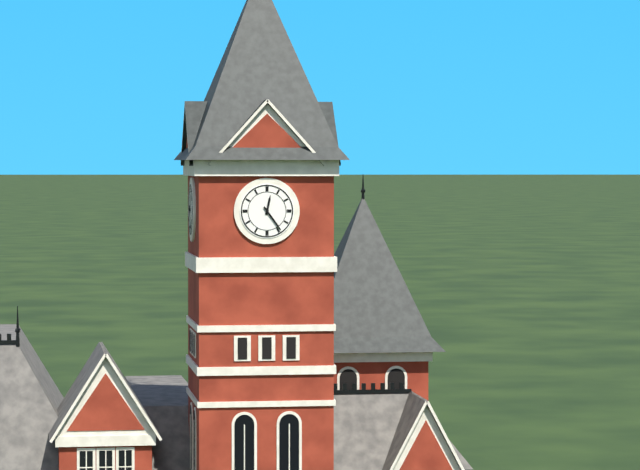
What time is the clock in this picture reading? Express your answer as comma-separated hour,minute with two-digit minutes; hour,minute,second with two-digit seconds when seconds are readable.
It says 12,24
